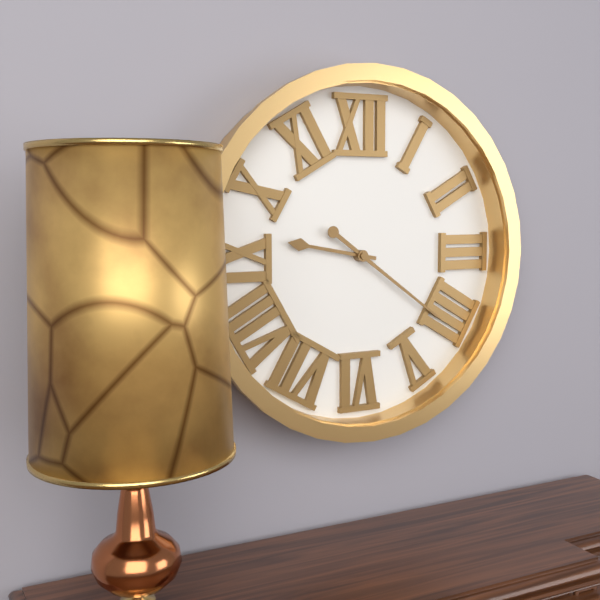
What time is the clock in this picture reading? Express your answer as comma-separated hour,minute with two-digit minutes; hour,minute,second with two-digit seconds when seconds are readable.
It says 9,21
